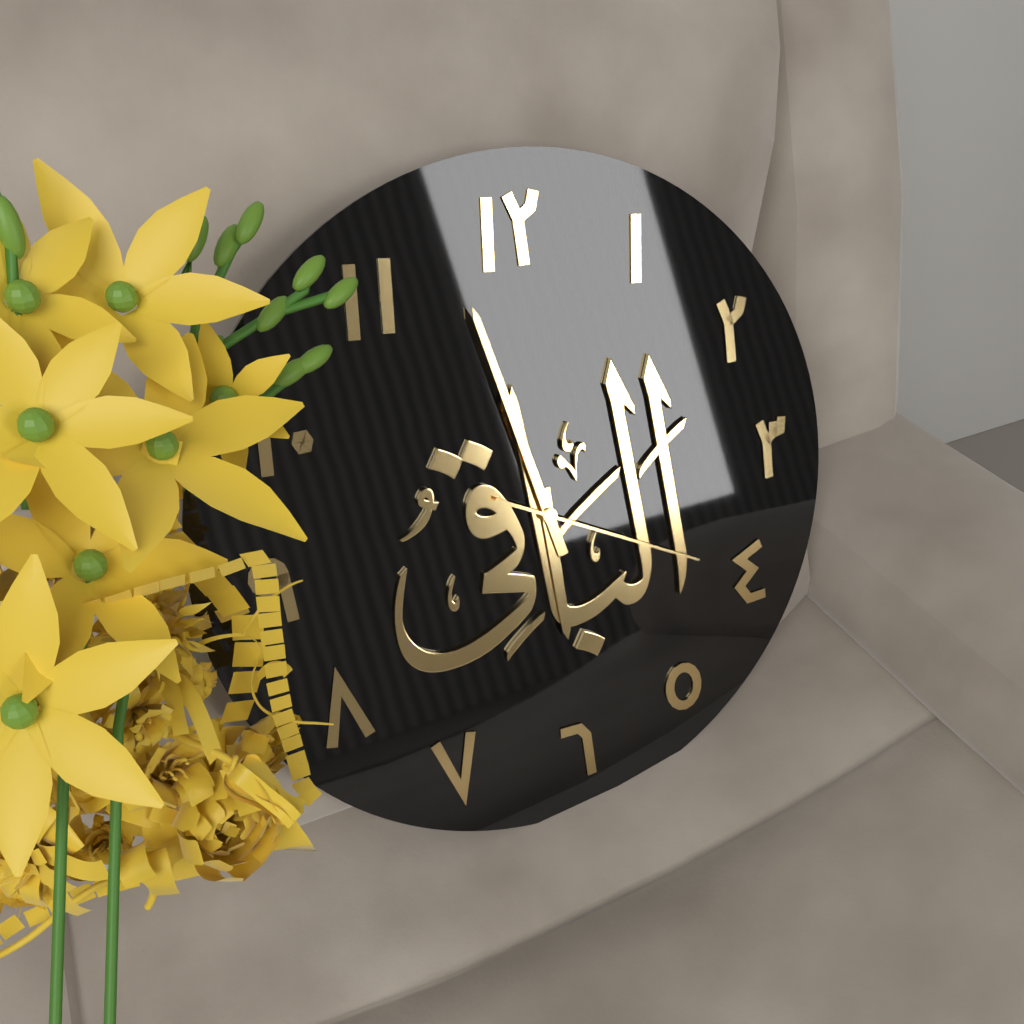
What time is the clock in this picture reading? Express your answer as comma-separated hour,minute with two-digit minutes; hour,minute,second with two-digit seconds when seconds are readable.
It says 5,58,20
